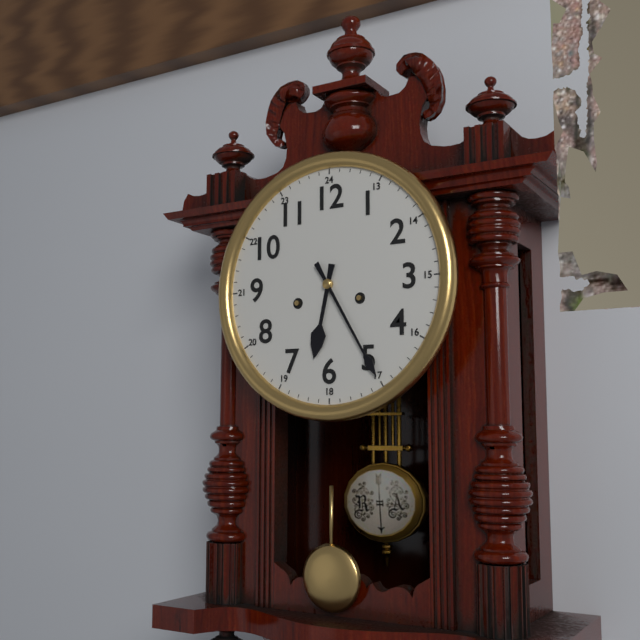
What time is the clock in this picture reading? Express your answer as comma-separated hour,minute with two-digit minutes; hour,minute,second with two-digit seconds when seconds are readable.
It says 6,25
